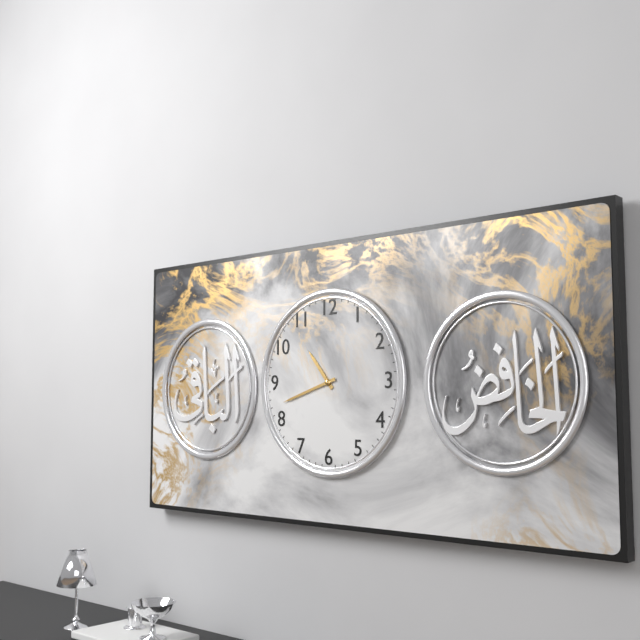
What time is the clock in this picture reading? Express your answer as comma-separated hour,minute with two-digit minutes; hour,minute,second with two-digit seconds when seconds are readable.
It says 10,42
